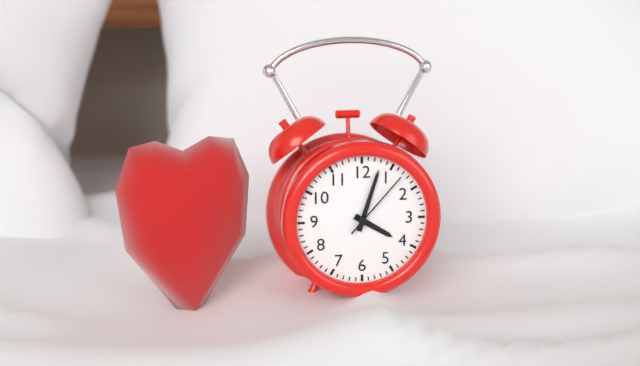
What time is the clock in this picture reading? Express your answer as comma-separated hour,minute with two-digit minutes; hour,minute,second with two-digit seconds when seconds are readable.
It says 4,03,07
